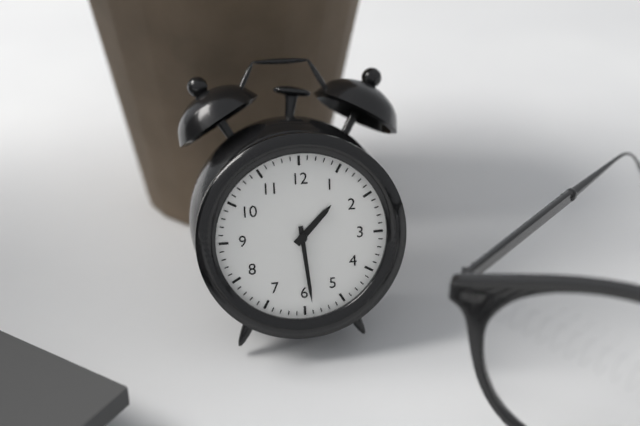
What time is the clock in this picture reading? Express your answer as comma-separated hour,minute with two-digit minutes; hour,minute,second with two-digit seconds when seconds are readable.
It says 1,29
